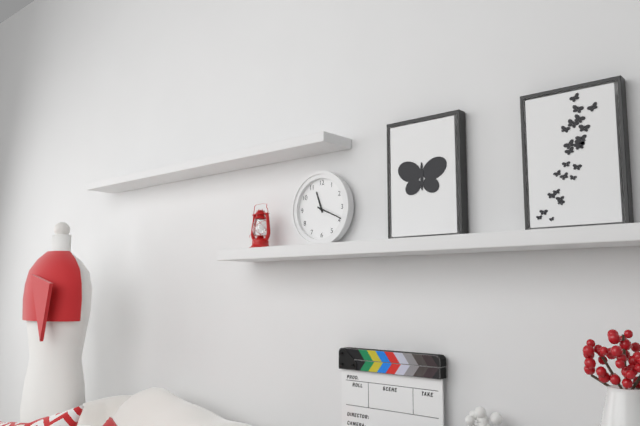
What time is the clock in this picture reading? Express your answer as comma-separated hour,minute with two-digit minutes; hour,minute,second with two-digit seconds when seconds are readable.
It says 11,19
